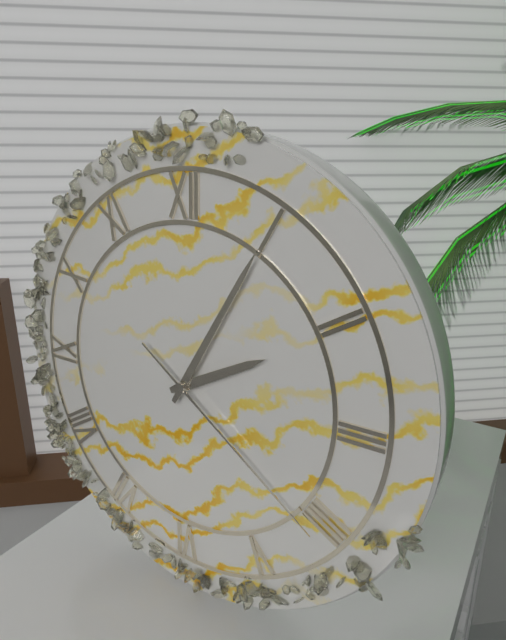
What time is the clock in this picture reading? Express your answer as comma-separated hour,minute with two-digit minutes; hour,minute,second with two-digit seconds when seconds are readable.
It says 2,05,21
